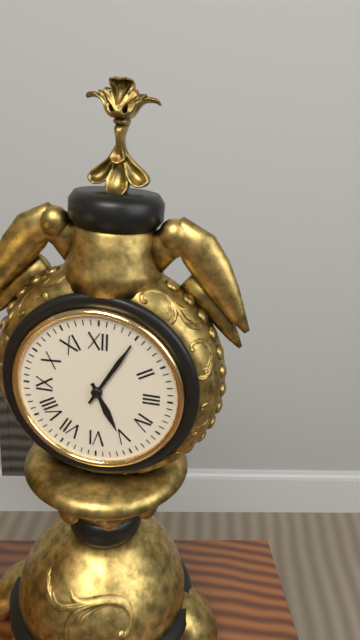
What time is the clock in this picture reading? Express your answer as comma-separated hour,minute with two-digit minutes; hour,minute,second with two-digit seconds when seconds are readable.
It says 5,05
